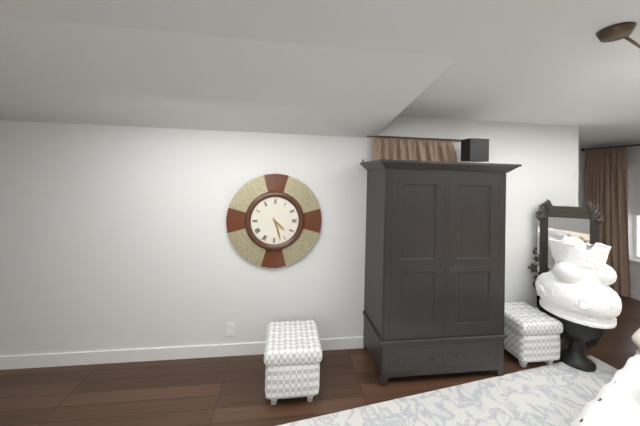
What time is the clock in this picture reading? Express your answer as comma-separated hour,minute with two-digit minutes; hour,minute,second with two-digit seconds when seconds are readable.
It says 4,27
